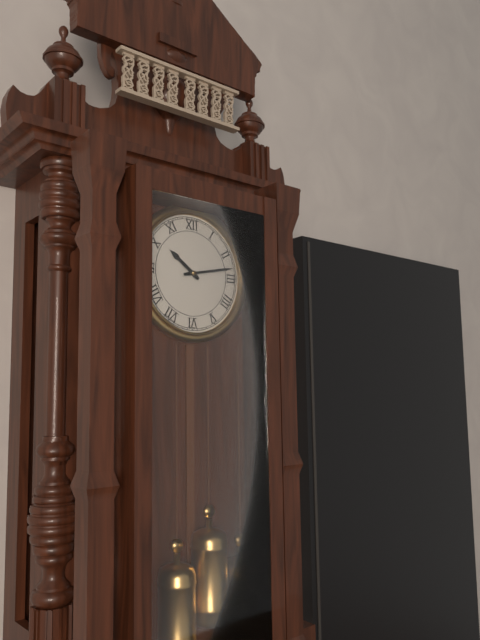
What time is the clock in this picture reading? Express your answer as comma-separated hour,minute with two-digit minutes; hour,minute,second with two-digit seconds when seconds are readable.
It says 10,13
